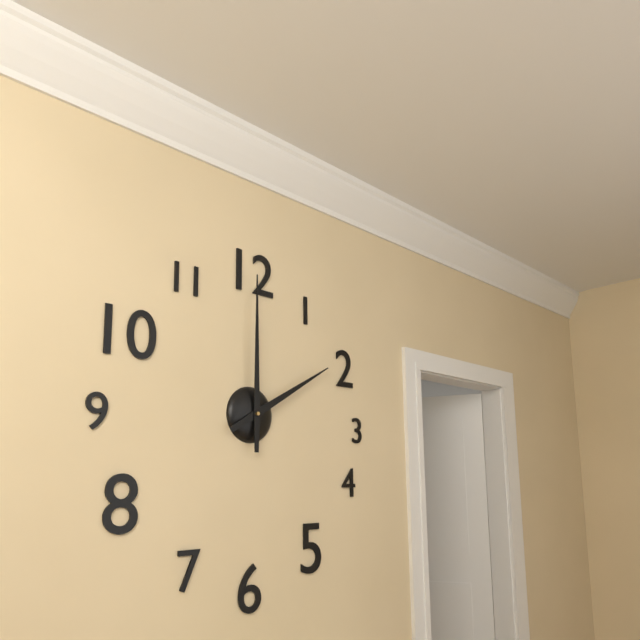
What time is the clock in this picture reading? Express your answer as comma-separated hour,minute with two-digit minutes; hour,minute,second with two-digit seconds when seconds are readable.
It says 2,00
